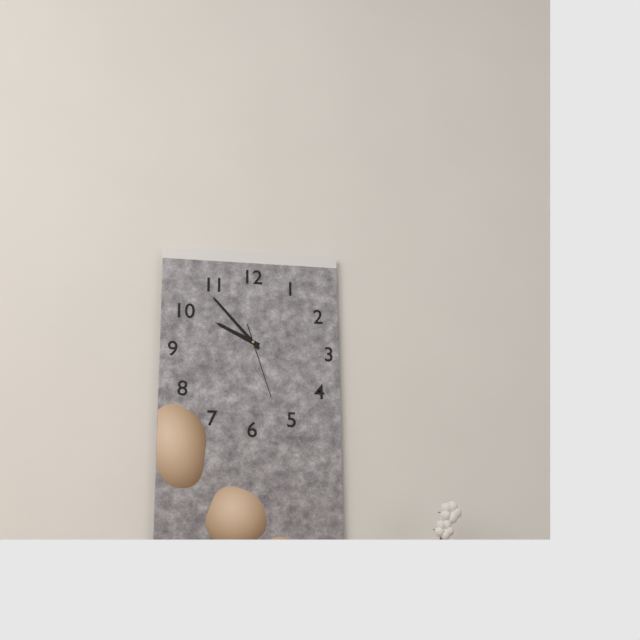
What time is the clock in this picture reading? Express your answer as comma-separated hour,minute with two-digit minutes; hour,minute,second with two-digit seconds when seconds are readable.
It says 9,53,27
